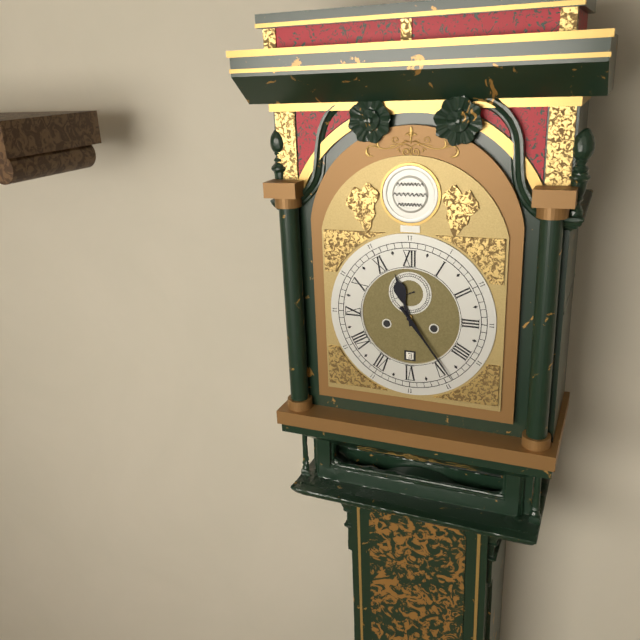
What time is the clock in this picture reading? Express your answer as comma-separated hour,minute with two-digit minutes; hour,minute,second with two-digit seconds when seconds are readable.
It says 11,24
